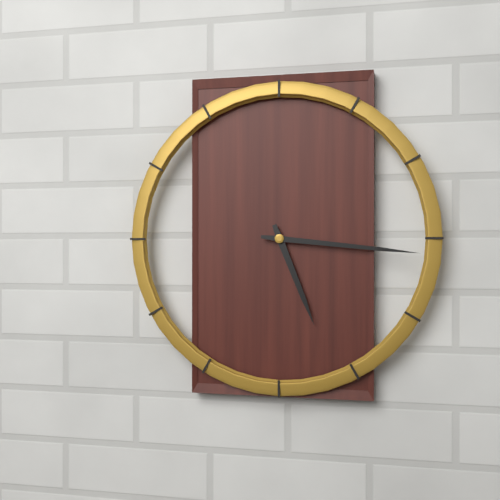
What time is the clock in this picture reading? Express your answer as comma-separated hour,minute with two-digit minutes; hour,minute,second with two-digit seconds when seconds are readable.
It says 5,16
